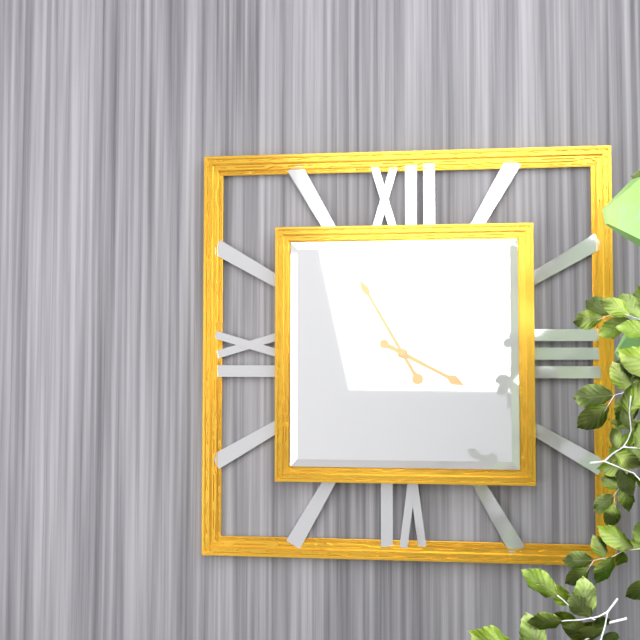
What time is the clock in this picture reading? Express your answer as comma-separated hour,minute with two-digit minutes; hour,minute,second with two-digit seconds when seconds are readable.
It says 3,55,11
